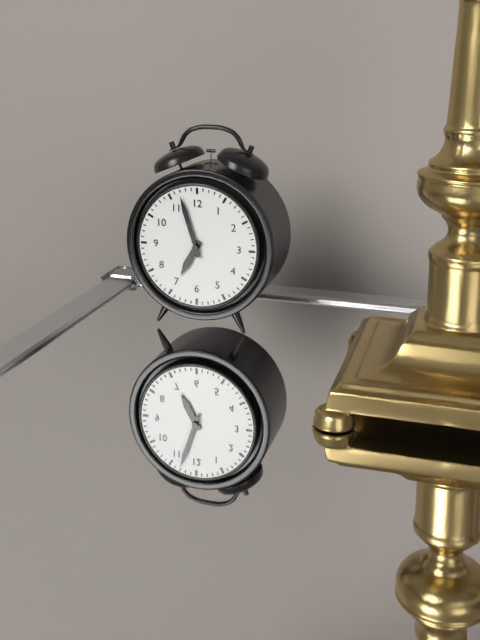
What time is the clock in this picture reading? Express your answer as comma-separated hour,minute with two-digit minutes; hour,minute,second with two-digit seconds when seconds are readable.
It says 6,57
